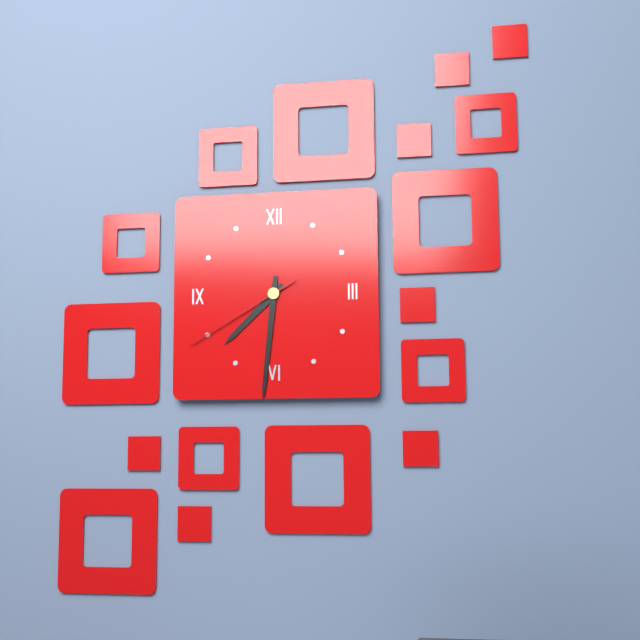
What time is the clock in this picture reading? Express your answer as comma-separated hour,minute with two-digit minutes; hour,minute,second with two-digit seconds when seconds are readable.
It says 7,31,40
